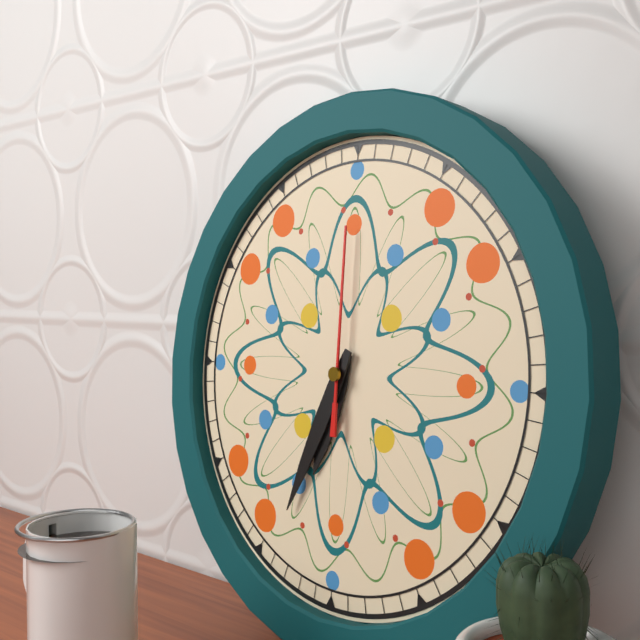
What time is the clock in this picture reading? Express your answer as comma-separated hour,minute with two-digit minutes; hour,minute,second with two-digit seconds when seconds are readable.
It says 6,34,00
